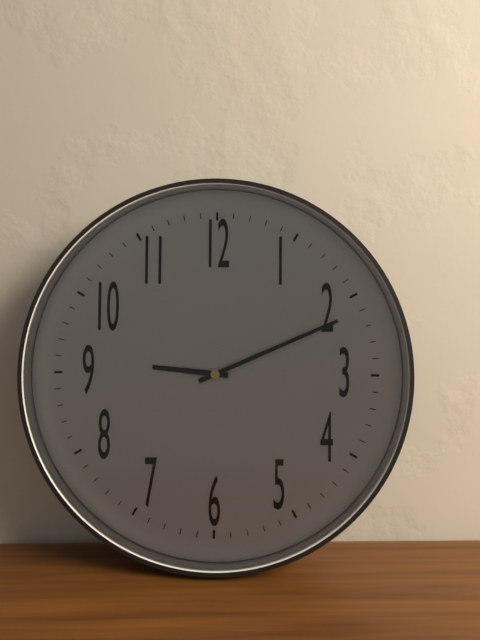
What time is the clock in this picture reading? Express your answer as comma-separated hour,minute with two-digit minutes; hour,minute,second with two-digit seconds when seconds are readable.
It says 9,11
